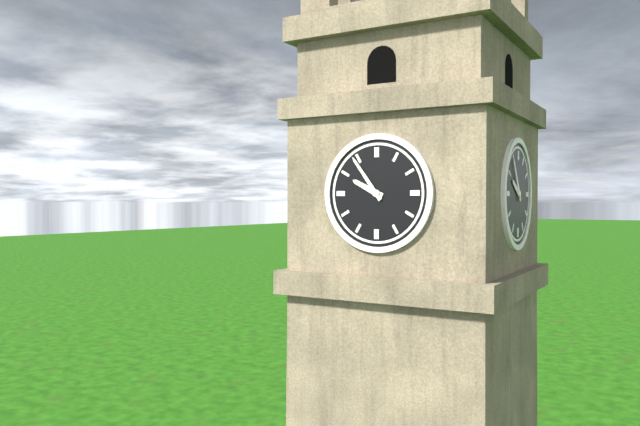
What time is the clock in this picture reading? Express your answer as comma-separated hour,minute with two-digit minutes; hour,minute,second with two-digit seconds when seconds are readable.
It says 9,54
